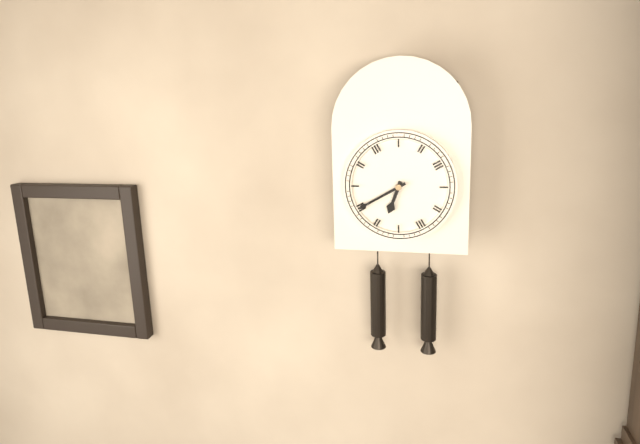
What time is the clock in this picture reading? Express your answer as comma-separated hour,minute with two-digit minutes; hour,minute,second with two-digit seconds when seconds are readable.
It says 6,40
